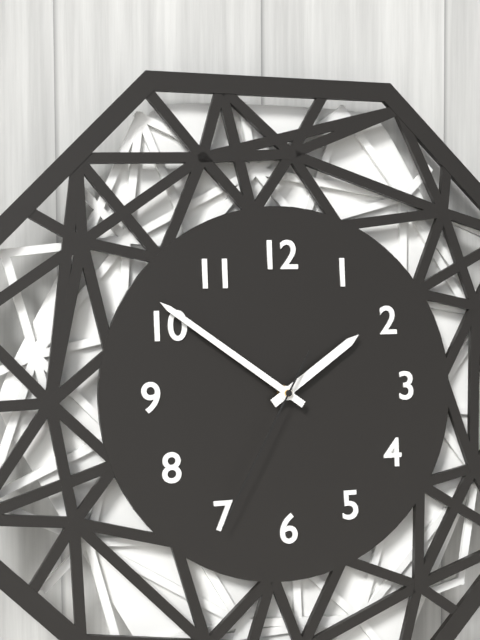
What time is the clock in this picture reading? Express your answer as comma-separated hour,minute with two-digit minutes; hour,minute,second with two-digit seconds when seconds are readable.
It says 1,51,35
